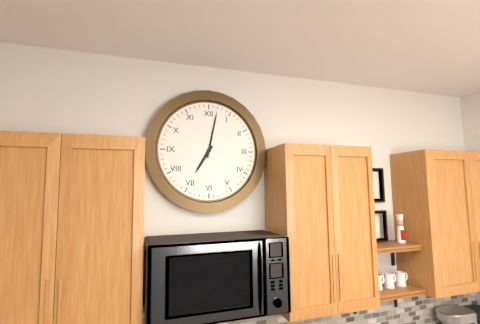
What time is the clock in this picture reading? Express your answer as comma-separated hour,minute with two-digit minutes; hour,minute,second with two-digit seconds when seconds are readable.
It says 7,02
